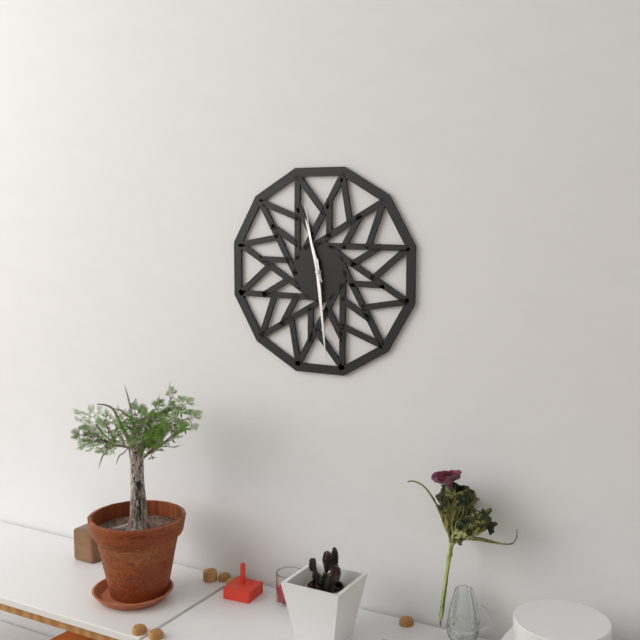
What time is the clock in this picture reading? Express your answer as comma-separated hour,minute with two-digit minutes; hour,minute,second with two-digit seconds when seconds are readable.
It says 11,29,58
